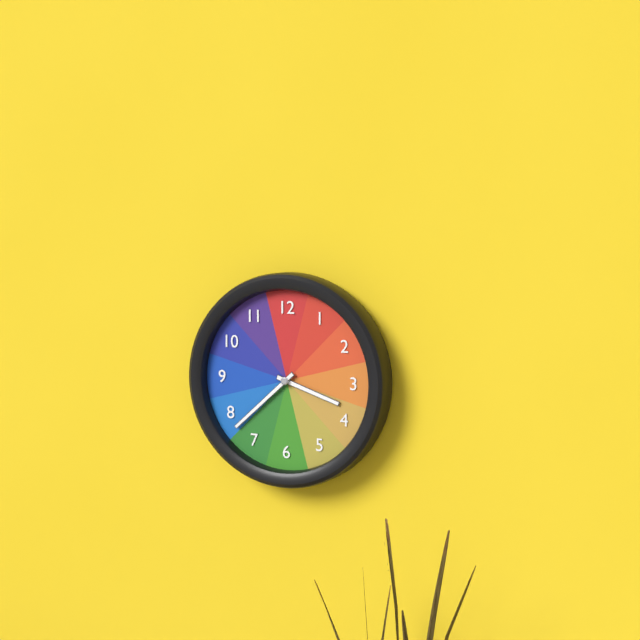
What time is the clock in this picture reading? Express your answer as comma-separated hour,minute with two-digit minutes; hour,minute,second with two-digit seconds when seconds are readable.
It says 3,38
